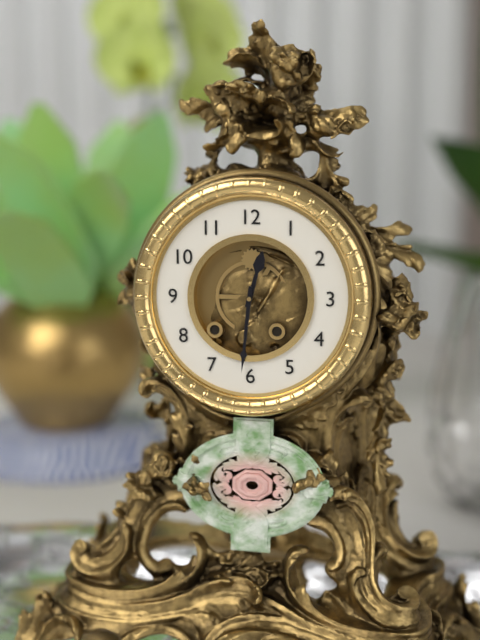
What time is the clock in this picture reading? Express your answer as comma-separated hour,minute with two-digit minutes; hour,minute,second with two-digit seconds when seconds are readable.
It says 12,31
